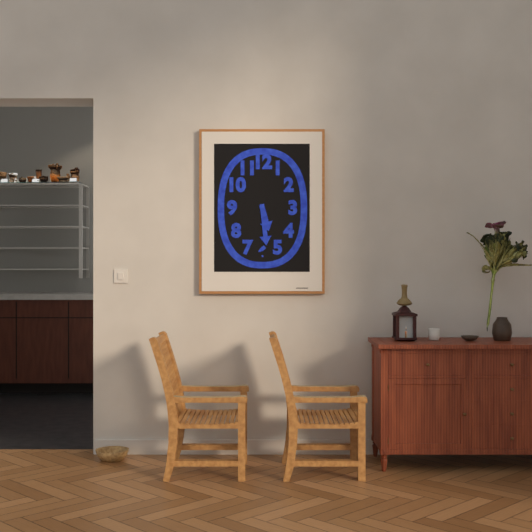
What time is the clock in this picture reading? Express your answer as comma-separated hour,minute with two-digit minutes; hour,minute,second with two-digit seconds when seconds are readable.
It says 5,29
